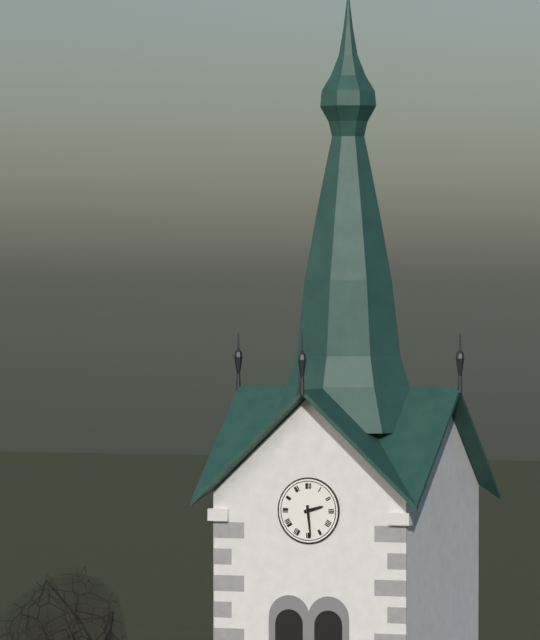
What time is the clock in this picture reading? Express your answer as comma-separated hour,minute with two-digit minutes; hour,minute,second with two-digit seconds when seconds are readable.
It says 2,29
